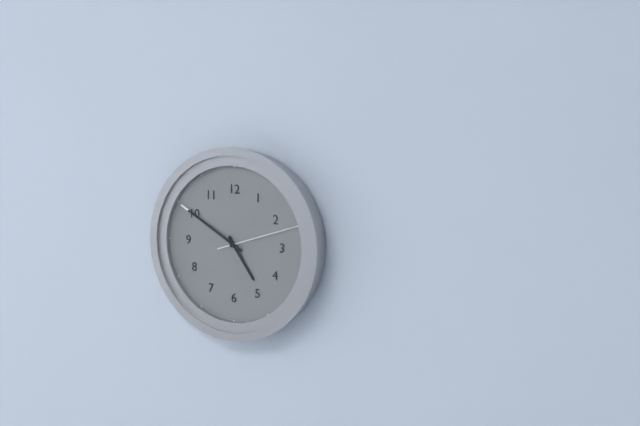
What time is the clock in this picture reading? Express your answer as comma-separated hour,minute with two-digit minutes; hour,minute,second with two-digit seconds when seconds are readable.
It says 4,50,12
